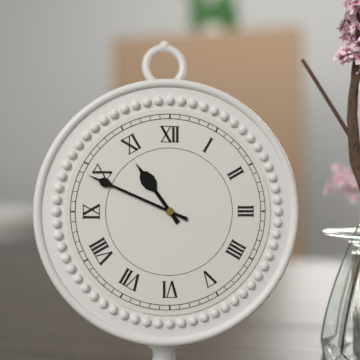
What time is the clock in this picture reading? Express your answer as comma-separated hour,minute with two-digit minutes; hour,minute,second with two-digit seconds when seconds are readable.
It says 10,49
